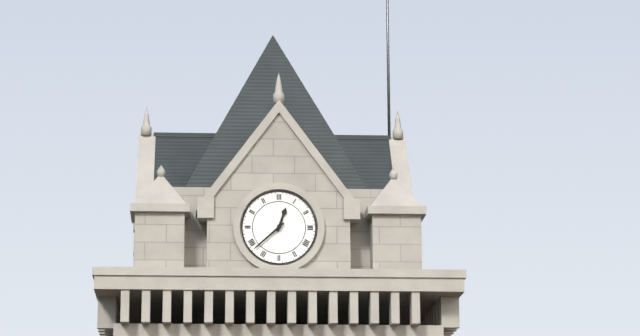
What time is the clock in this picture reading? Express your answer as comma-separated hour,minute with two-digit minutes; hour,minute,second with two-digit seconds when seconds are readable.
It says 12,38
